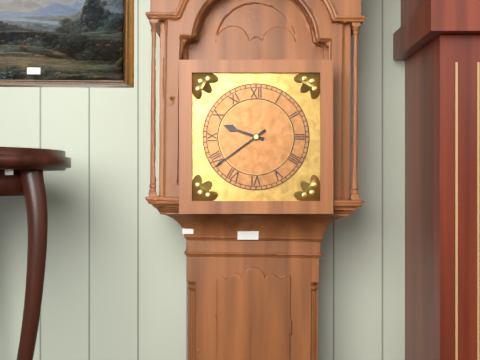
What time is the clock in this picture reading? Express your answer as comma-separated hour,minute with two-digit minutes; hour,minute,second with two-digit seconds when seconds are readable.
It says 9,39
